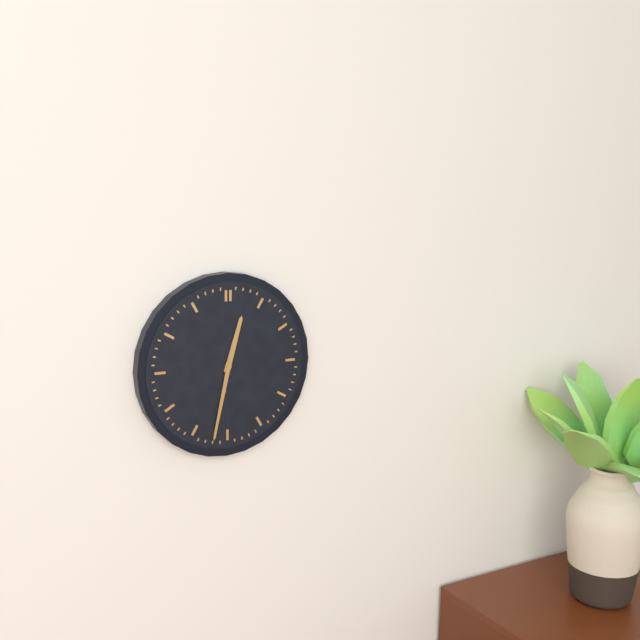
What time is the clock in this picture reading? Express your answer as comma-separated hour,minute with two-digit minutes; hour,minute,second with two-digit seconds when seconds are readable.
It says 12,32
